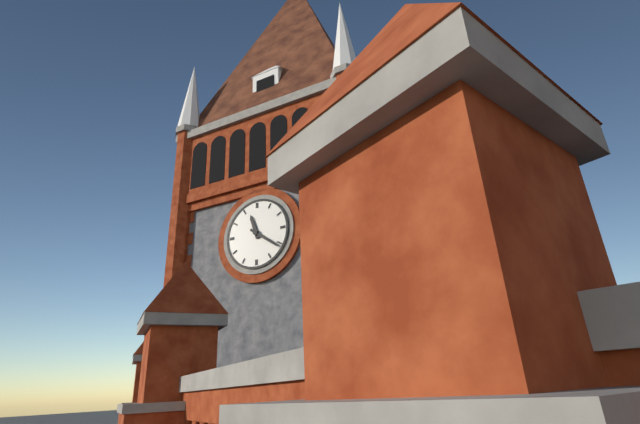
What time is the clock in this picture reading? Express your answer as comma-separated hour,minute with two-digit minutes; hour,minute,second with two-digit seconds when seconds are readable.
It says 11,21
